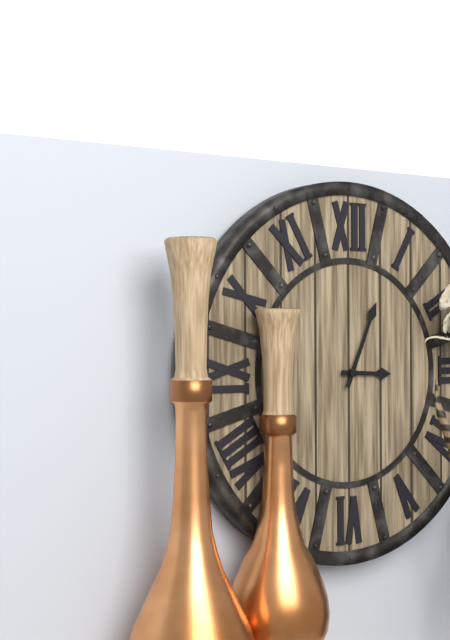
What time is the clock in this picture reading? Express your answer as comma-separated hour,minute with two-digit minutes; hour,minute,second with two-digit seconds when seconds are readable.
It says 3,04
